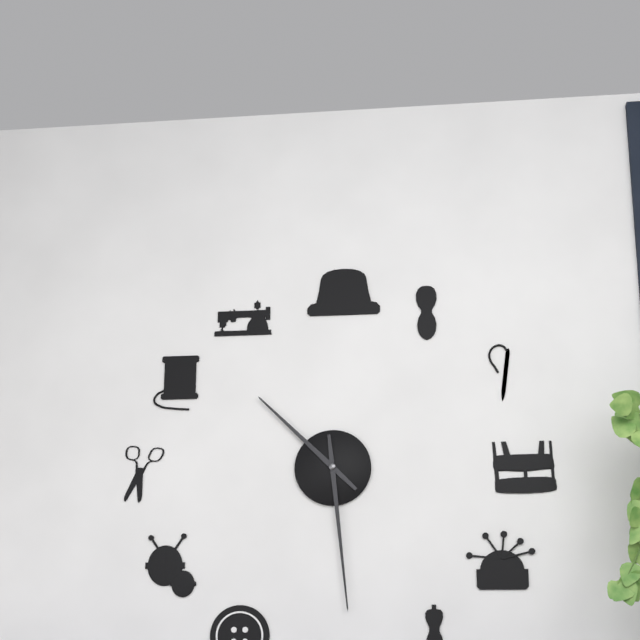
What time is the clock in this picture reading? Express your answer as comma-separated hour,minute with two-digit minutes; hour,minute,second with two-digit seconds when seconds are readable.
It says 10,29
